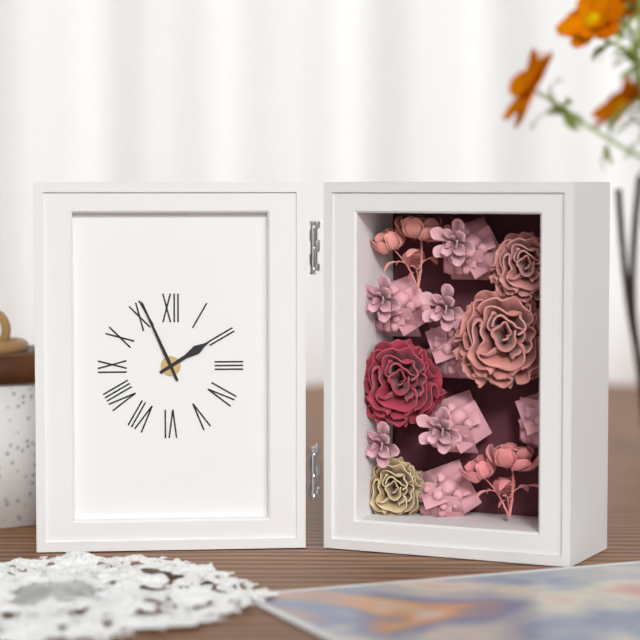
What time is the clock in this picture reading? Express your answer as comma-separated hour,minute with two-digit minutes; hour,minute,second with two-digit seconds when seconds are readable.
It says 1,56
